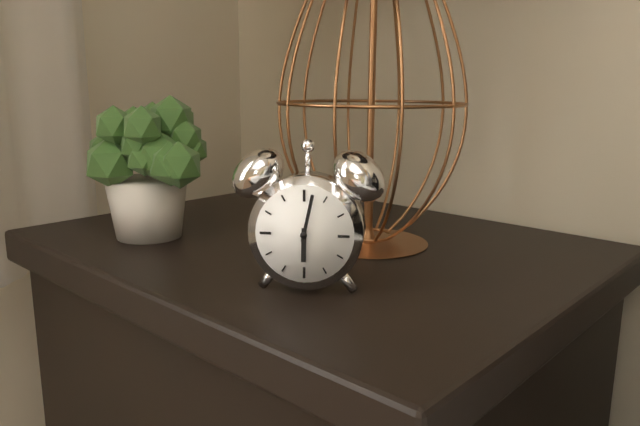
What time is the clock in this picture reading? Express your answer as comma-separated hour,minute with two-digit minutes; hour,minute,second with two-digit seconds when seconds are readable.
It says 6,02
